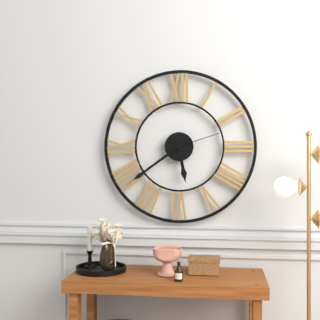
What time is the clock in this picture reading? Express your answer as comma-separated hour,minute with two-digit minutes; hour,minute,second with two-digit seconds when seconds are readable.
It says 5,39,12
